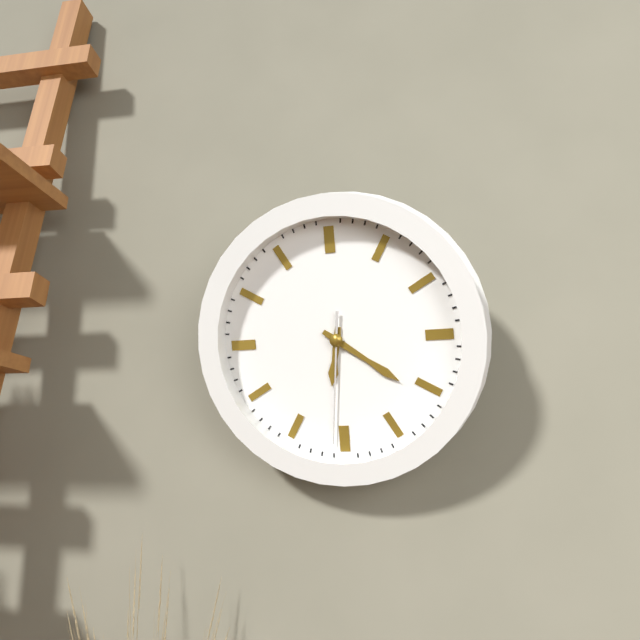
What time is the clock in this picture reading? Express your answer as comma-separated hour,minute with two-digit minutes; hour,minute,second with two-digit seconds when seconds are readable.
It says 6,21,31
